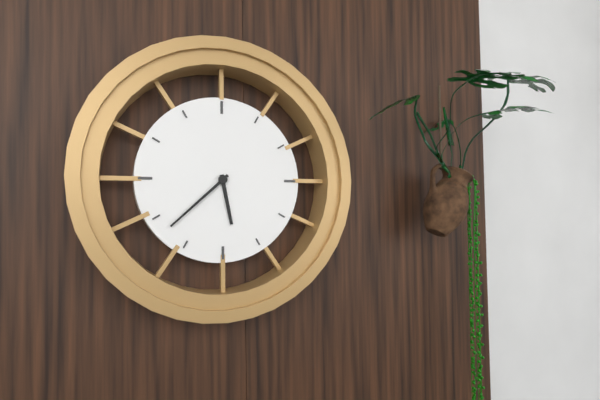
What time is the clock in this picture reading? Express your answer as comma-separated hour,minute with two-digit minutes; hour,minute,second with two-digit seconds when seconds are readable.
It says 5,38
